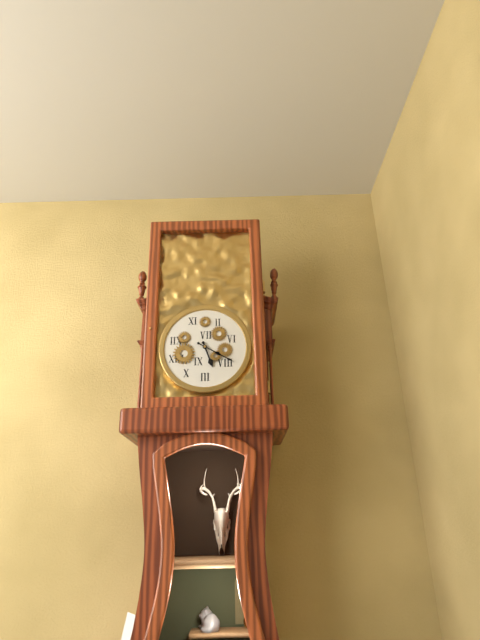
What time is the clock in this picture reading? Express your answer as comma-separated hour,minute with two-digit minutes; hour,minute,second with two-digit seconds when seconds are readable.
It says 5,20
